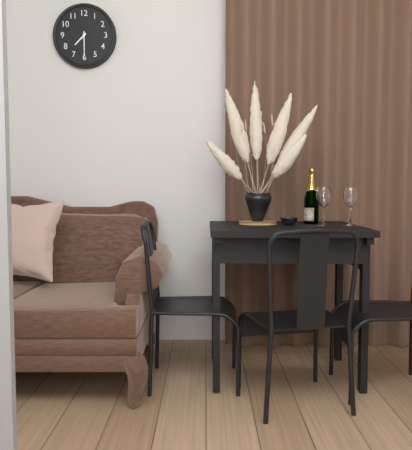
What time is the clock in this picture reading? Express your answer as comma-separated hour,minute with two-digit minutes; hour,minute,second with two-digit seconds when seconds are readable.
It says 7,30
